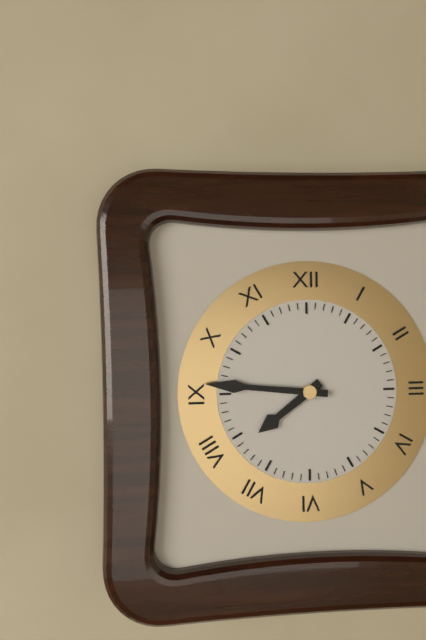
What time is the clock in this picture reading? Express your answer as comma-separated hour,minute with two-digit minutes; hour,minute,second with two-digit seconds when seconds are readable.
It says 7,46
